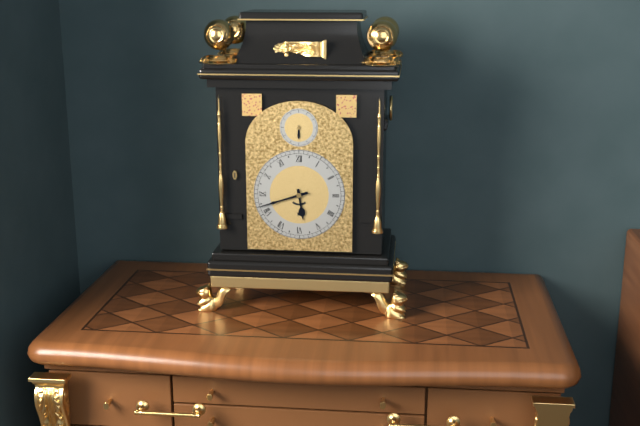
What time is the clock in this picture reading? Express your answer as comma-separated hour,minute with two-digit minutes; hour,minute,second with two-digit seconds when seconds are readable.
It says 5,42
